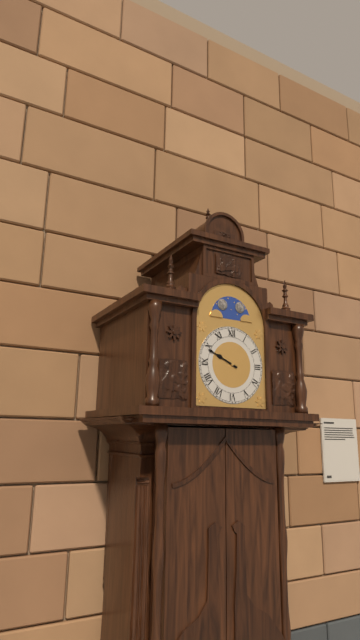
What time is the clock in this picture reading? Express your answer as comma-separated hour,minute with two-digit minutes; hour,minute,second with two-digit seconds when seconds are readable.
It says 9,49
